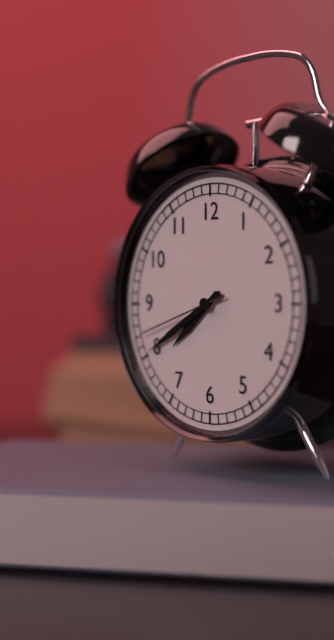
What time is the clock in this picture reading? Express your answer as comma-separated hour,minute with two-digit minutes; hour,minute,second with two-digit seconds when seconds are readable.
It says 7,40,42
